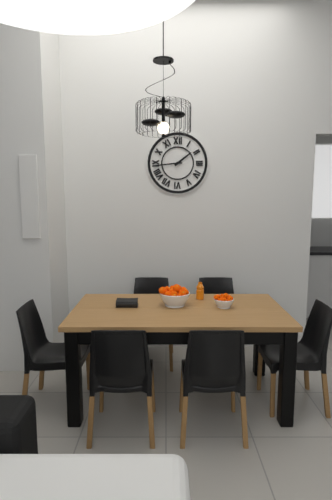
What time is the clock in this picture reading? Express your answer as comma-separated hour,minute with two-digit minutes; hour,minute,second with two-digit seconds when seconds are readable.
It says 1,44
